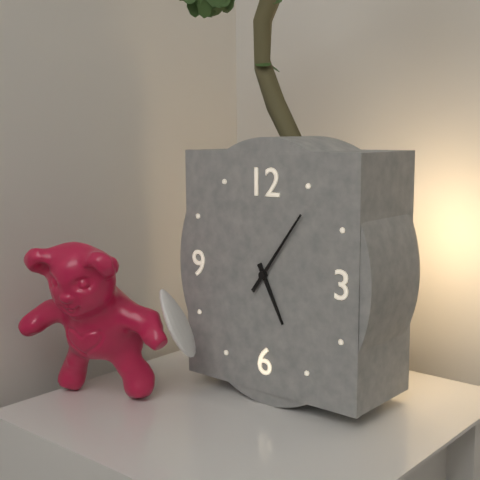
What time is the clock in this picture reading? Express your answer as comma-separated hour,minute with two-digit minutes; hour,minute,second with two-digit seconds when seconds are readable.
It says 5,06
